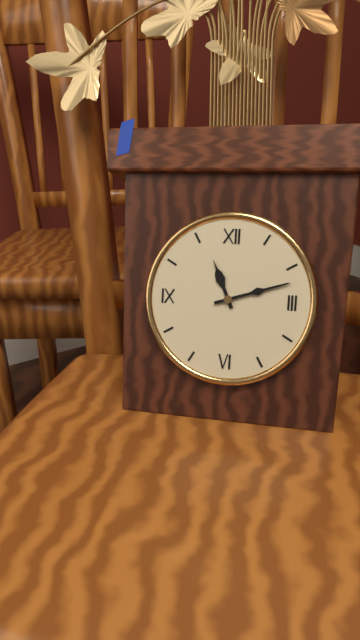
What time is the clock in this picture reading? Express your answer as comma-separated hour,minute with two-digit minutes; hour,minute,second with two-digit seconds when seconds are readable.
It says 11,12
